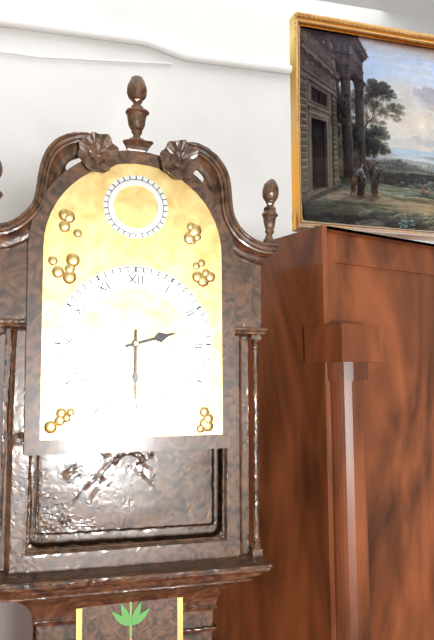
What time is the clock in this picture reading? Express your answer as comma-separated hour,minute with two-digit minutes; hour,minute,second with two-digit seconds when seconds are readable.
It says 2,30
